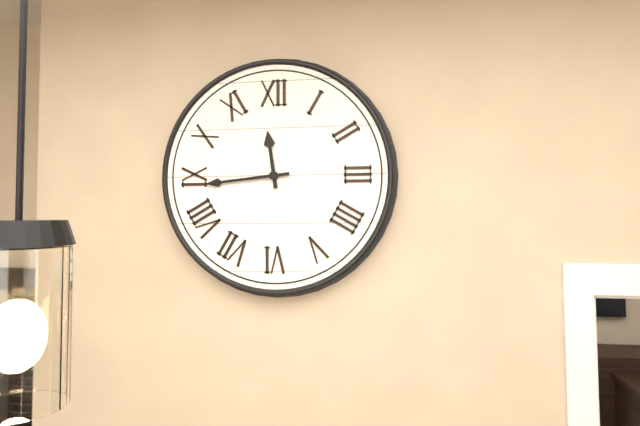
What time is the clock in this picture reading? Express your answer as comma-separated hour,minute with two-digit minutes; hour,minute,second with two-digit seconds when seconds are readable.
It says 11,44
